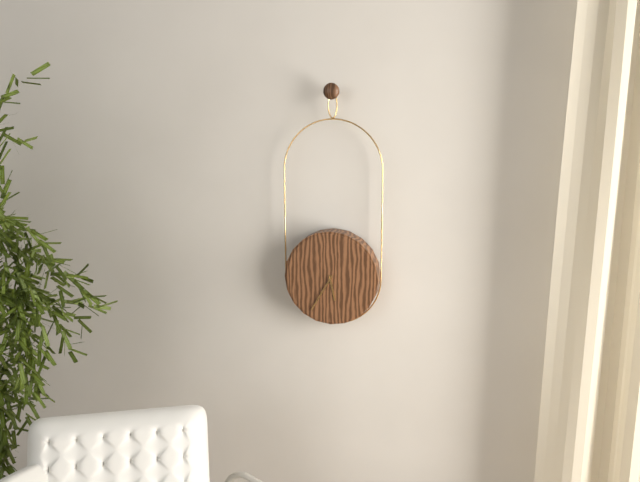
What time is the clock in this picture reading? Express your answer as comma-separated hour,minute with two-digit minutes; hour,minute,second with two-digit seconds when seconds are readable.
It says 5,35
